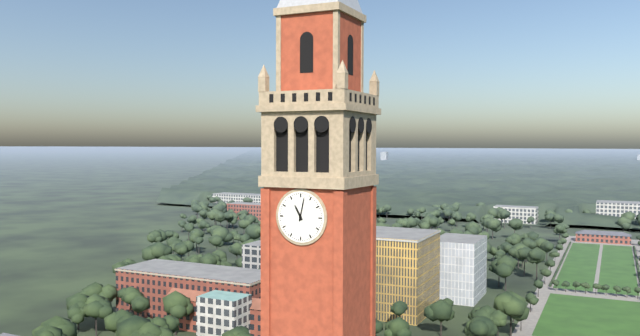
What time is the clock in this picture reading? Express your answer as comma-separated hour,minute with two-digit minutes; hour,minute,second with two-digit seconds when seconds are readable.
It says 11,02
